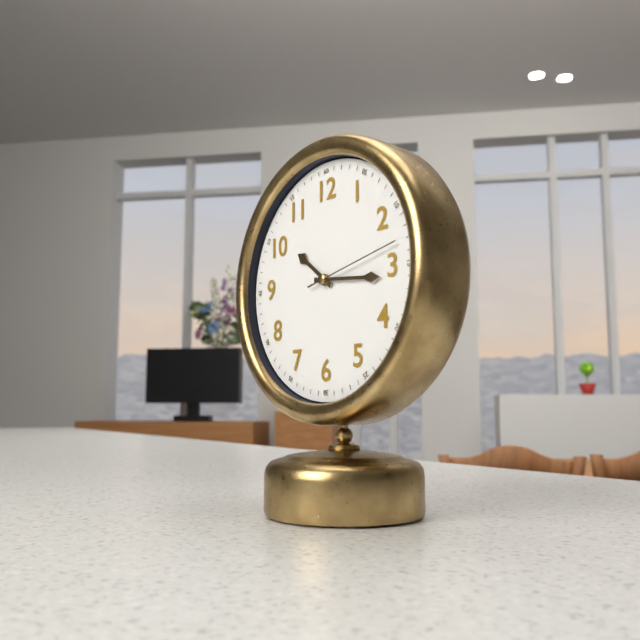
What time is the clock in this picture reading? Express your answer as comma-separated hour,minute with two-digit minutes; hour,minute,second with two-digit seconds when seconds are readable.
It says 10,16,13
